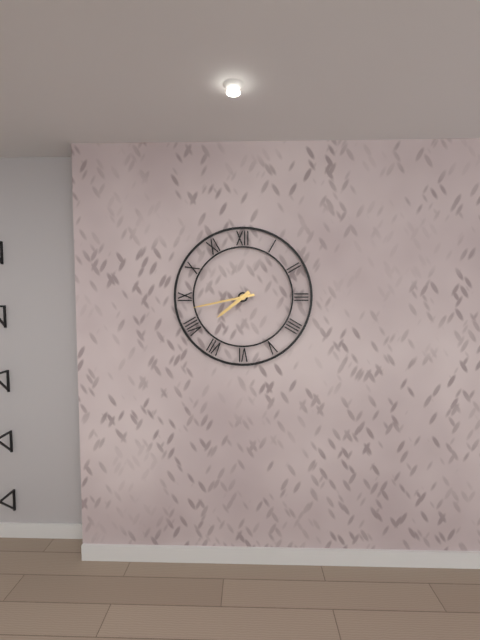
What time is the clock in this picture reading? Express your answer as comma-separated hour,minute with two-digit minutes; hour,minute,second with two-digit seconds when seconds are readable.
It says 7,43
